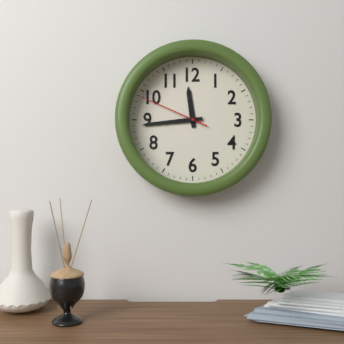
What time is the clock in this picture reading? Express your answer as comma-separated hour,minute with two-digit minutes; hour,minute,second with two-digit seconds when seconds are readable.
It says 11,44,49
